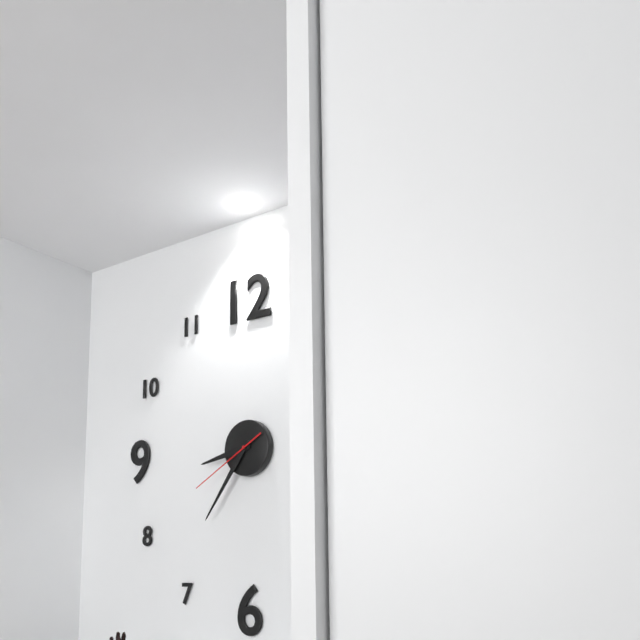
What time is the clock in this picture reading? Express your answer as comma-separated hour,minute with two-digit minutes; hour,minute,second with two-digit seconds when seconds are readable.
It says 8,36,40
